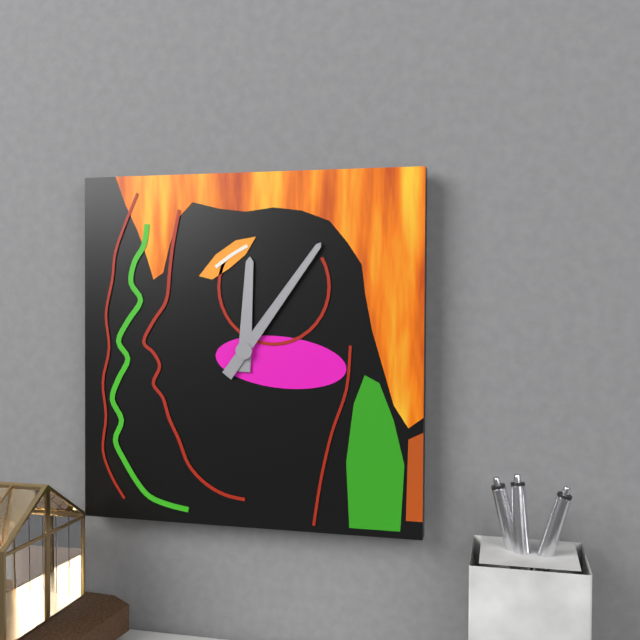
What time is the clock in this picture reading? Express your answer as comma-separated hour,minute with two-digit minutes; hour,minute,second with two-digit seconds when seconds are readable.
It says 12,06
